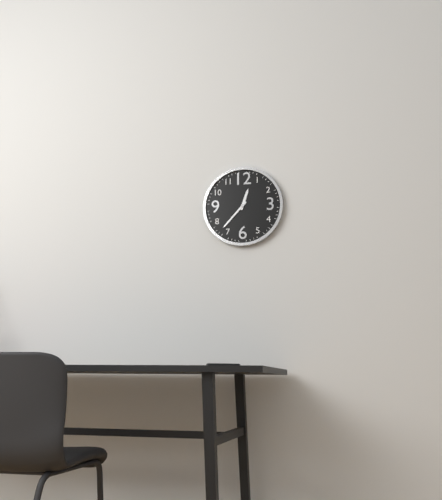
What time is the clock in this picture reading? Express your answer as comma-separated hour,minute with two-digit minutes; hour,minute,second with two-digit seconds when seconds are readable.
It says 12,37
